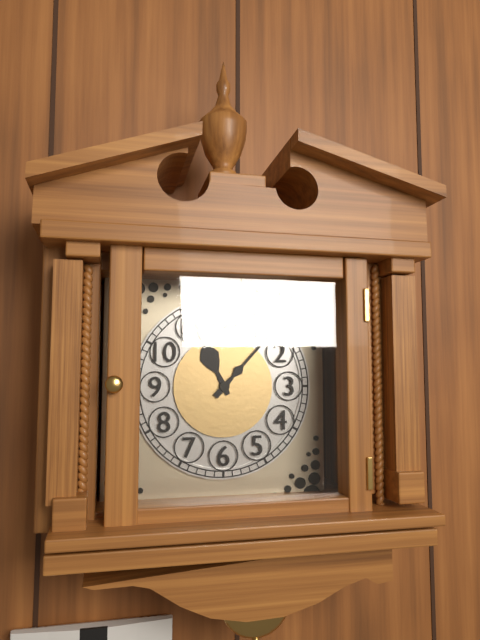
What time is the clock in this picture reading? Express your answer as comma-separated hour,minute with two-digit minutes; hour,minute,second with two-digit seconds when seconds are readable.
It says 11,07
